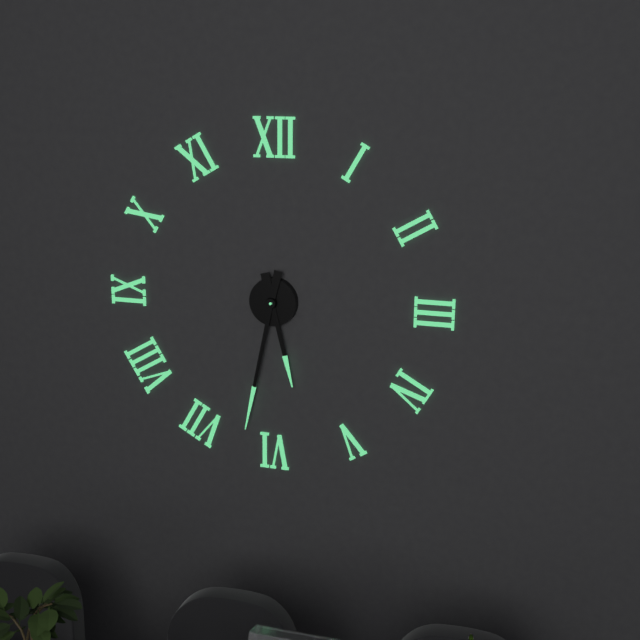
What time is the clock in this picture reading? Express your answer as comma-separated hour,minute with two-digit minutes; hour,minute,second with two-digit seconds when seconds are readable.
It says 5,32
